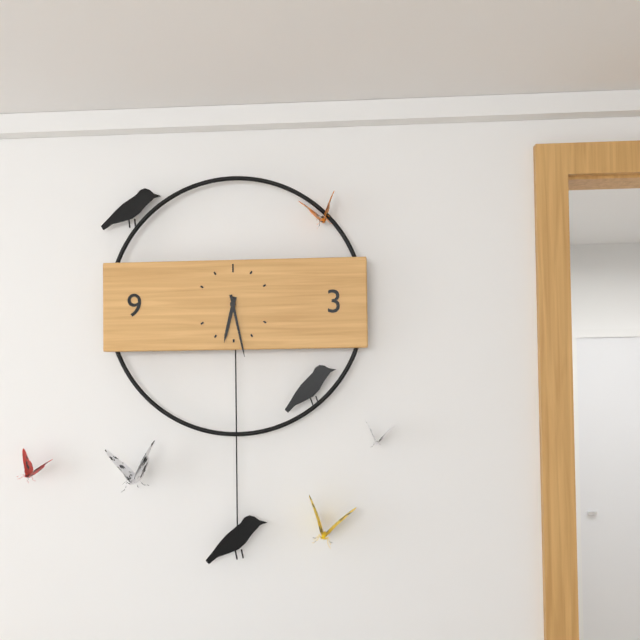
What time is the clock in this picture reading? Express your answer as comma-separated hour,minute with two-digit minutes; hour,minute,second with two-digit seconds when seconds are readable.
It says 6,28
